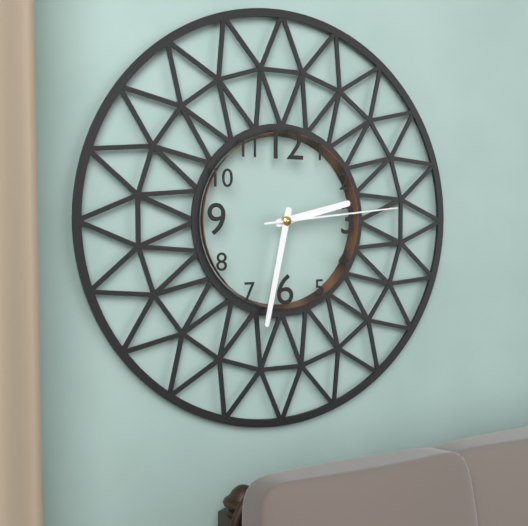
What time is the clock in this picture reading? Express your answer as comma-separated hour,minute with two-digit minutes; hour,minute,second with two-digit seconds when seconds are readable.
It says 2,32,14
